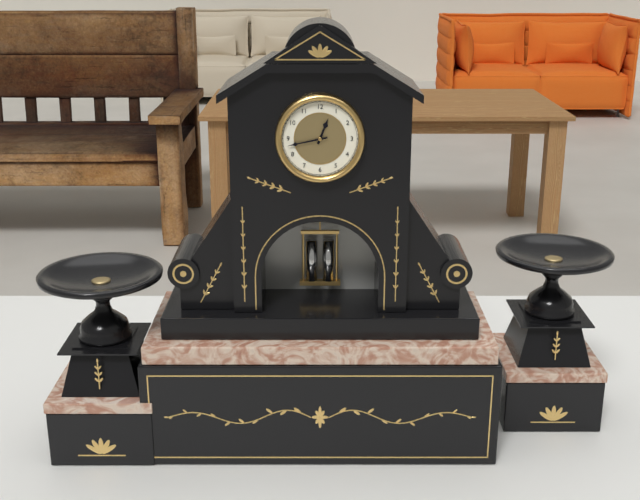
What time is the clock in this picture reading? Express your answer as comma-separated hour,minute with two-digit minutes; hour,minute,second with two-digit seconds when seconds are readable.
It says 12,43
